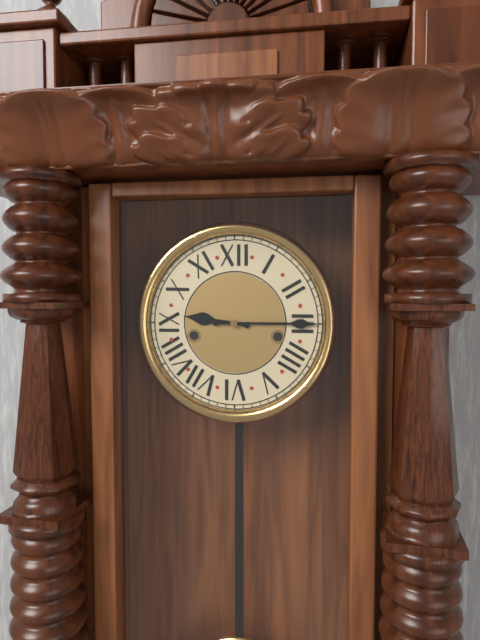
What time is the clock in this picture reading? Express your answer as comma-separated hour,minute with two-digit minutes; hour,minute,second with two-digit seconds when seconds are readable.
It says 9,15
